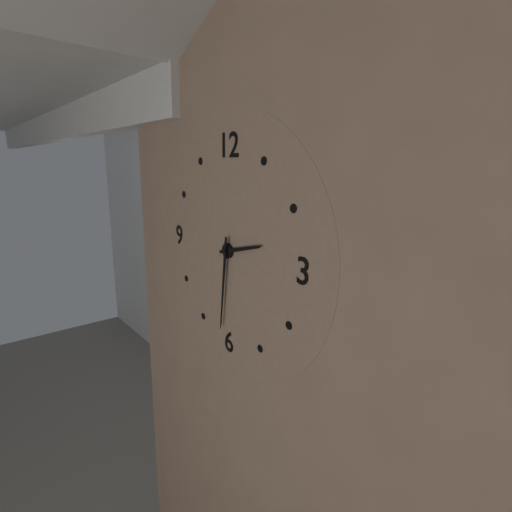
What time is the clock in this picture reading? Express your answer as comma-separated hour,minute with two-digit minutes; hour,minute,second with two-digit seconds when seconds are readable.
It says 2,31
